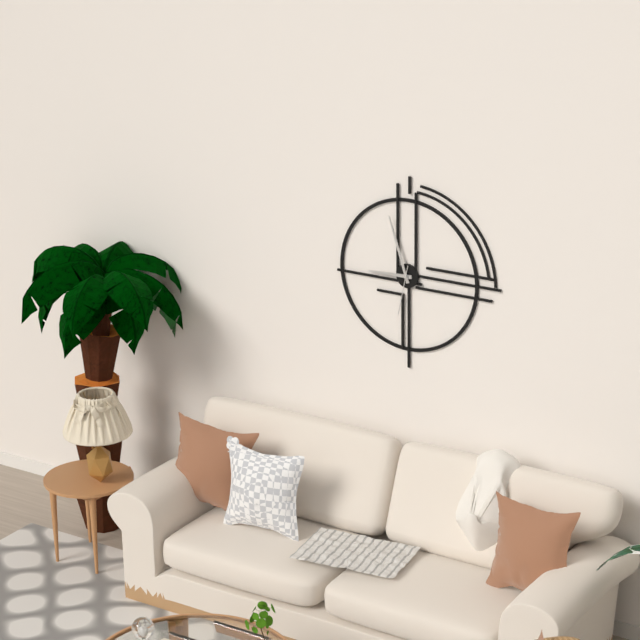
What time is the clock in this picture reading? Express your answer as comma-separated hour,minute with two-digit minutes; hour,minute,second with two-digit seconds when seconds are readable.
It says 8,57,32
